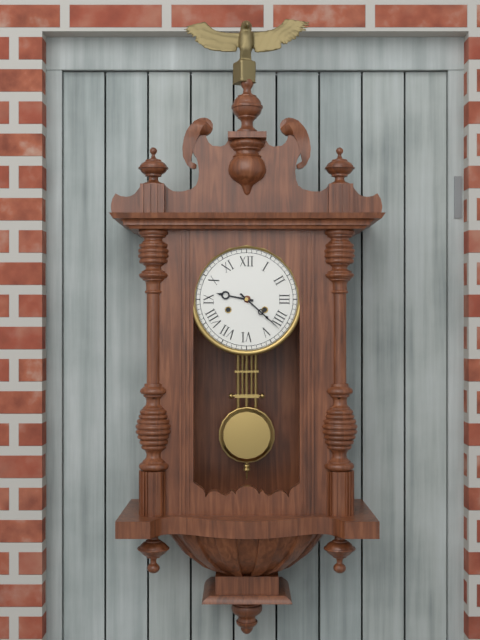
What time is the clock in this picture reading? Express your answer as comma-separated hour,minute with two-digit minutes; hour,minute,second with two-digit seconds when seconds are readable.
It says 9,22
